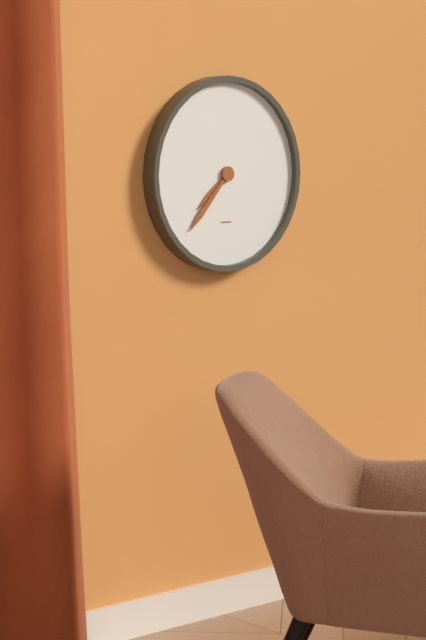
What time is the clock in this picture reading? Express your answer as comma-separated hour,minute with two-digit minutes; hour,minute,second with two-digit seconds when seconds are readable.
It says 7,37
